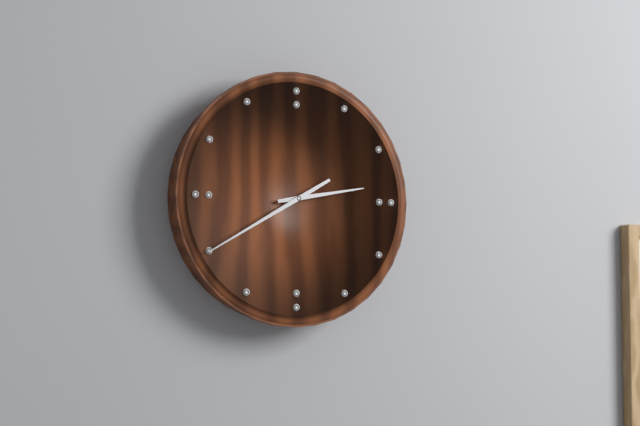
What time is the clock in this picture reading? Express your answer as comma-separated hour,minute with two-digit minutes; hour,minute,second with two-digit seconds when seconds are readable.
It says 2,40
